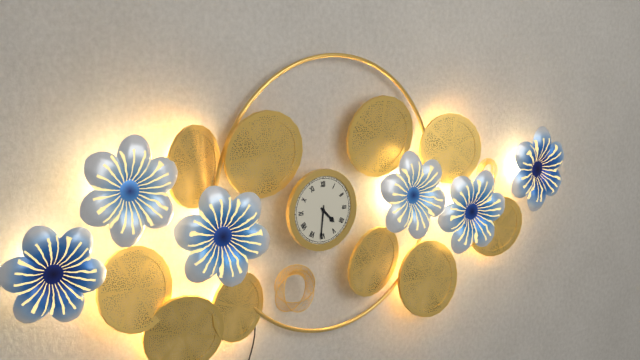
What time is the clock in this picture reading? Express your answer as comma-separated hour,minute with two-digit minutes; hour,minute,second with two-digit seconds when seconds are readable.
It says 4,31
